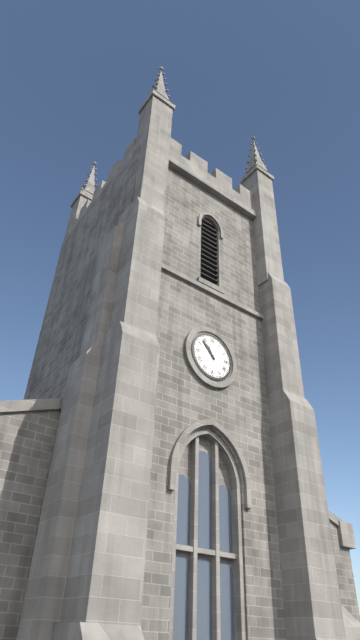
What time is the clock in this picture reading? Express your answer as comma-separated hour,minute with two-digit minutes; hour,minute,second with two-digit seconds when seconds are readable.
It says 10,53
